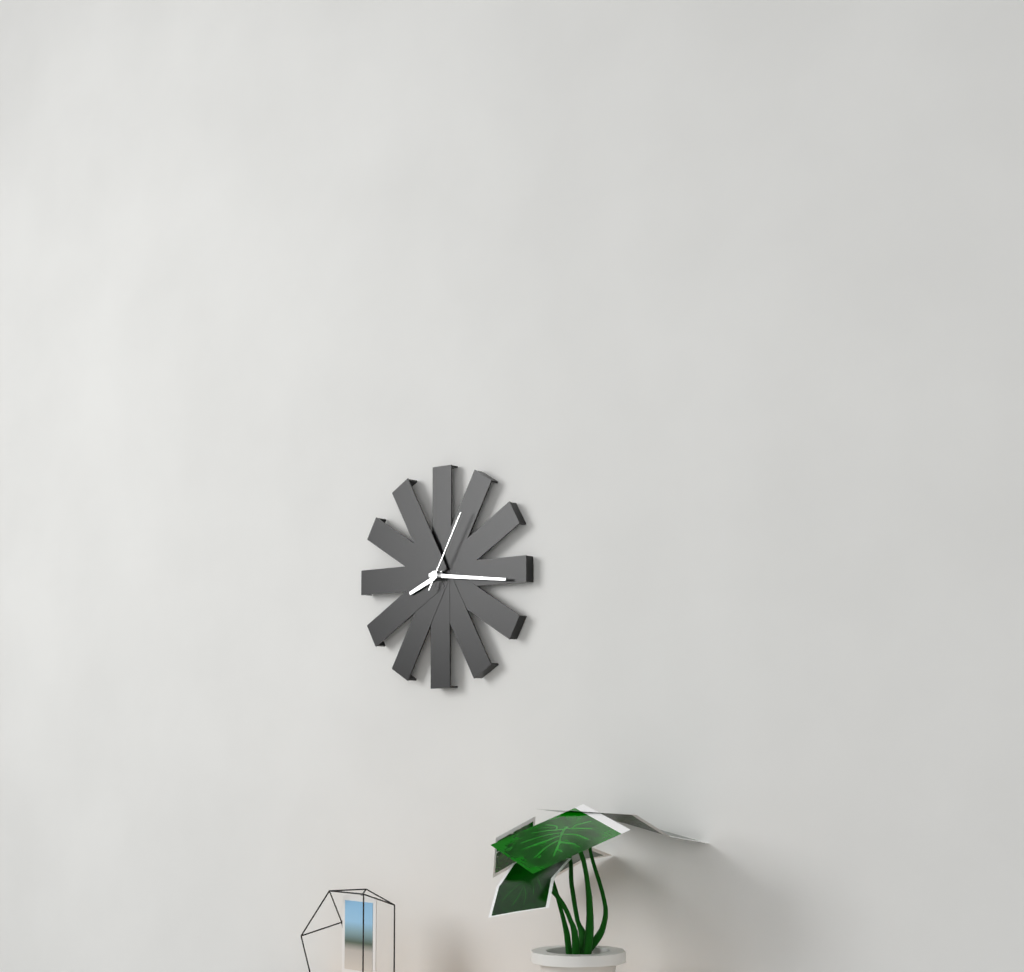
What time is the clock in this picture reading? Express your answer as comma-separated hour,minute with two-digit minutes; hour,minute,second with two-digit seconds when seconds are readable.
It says 8,16,05
